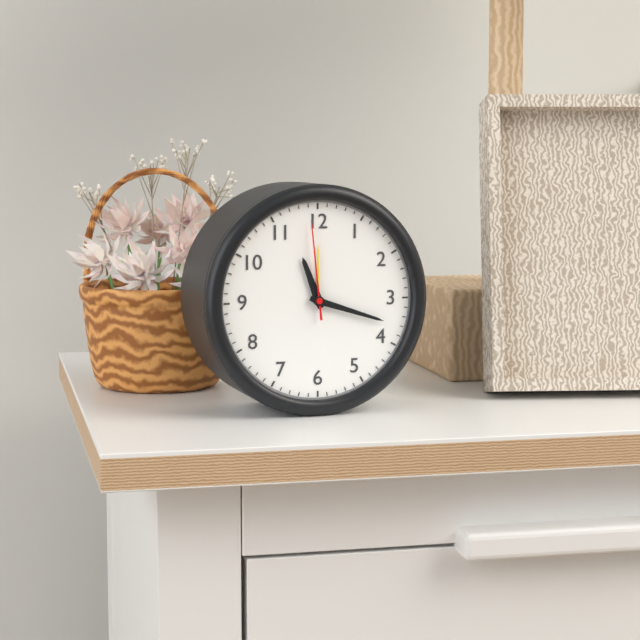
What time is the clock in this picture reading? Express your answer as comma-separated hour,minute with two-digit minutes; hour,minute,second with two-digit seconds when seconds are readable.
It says 11,18,59
